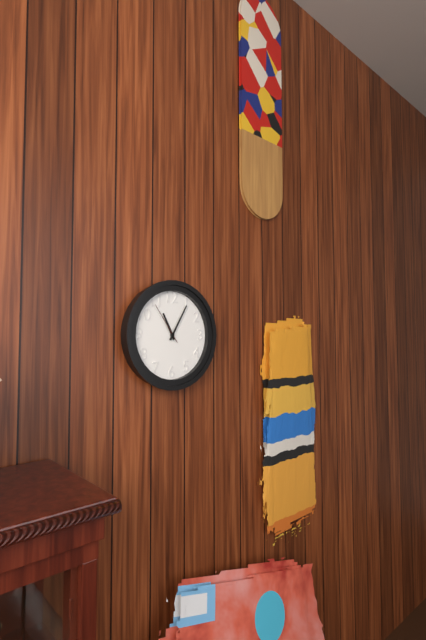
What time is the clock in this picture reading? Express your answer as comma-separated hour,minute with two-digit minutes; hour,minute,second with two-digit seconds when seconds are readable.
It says 11,05
